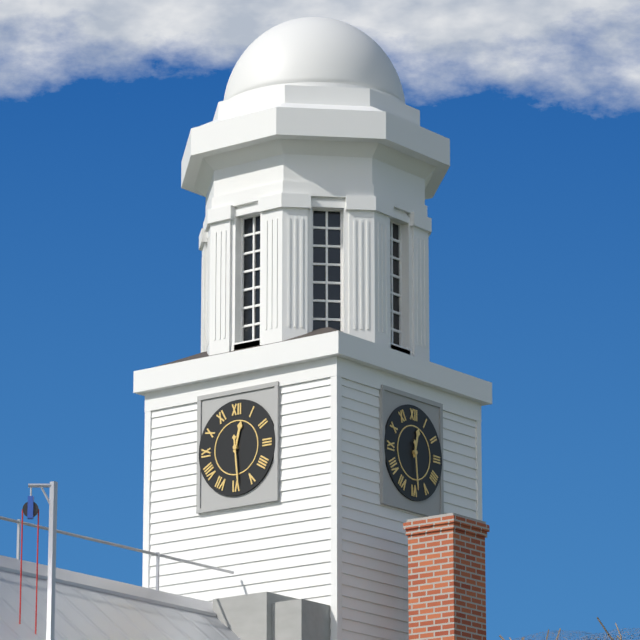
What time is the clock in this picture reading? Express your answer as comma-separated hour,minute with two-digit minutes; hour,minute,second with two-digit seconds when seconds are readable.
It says 12,29
